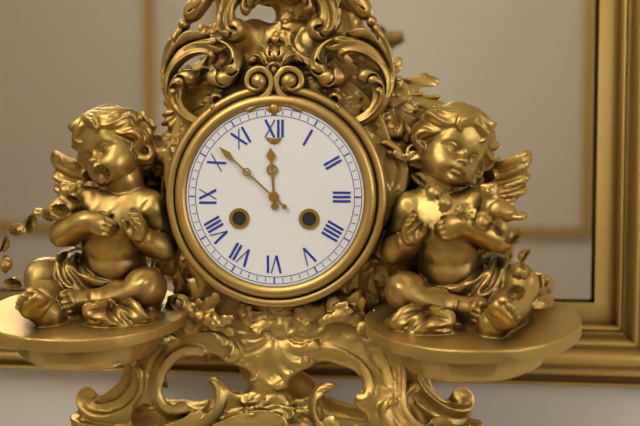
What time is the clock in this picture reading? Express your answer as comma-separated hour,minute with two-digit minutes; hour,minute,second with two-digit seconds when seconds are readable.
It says 11,52
